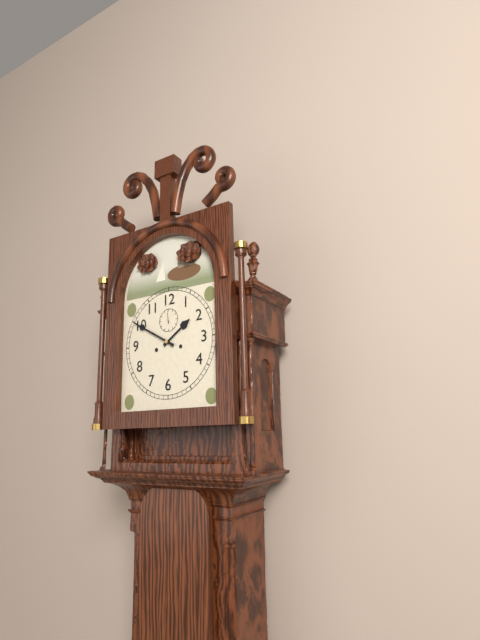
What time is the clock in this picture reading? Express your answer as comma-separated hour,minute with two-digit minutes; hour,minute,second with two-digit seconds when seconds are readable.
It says 1,50
